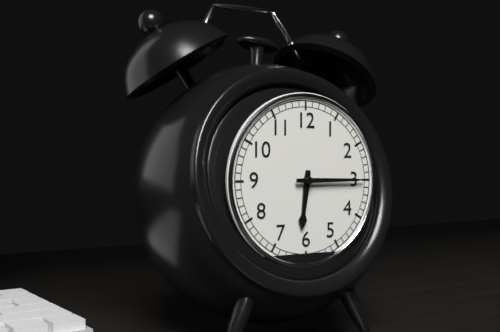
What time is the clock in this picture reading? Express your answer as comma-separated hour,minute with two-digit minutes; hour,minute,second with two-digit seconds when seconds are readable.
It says 6,15
